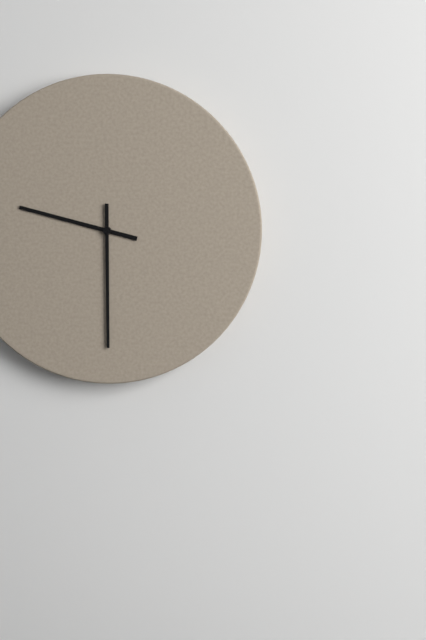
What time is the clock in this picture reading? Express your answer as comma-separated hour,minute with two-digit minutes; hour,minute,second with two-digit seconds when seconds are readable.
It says 9,30
